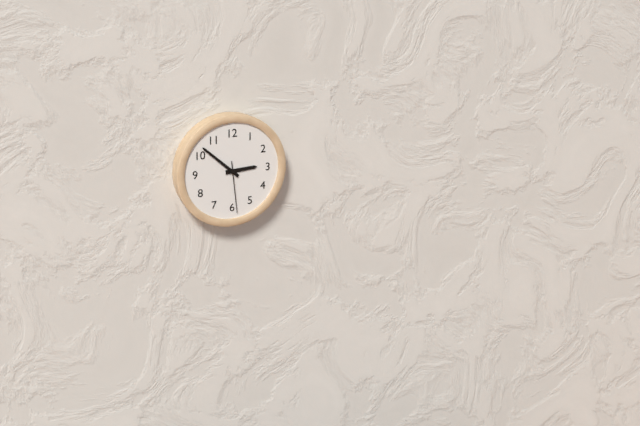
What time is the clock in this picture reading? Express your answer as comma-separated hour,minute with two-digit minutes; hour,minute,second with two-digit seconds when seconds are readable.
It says 2,52,29
